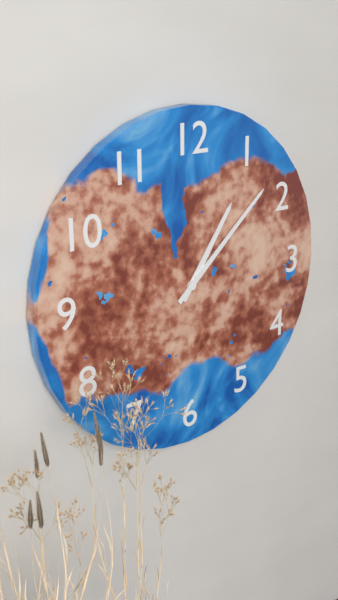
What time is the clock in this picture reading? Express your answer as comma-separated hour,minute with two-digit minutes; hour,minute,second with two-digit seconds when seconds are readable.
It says 1,08
